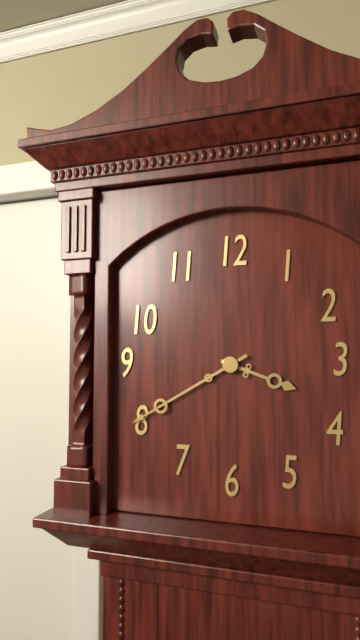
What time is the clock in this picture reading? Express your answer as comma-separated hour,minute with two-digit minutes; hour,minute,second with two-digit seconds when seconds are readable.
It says 3,40
